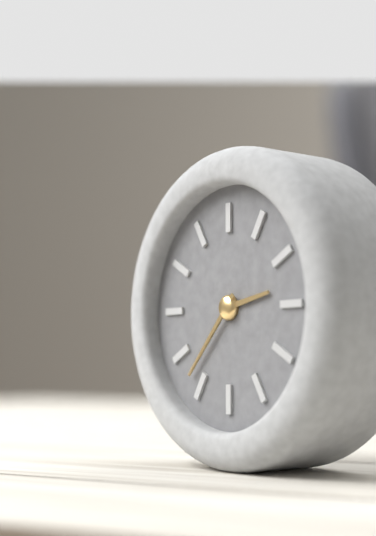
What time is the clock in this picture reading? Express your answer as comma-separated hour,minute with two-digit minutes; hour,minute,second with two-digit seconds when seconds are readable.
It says 2,37
